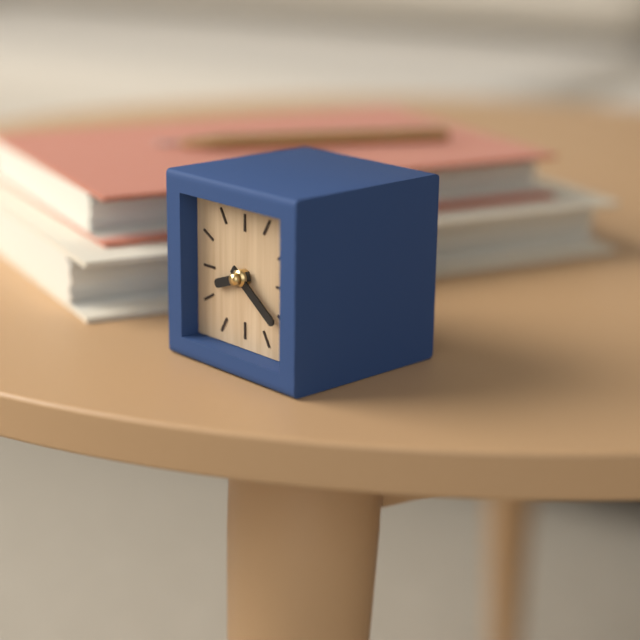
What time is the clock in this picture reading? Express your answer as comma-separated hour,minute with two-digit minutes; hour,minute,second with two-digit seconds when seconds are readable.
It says 8,21
